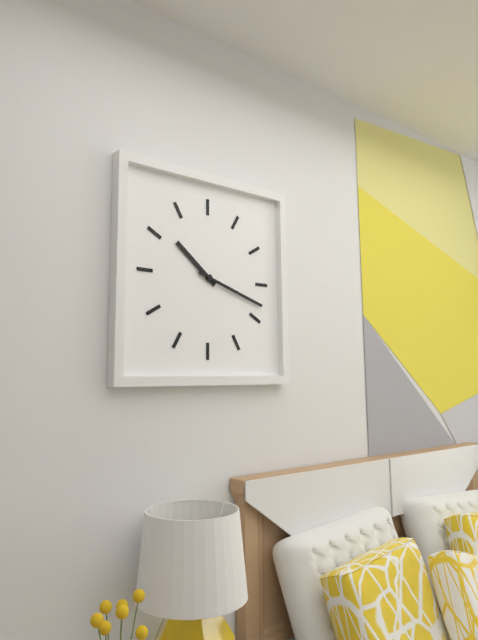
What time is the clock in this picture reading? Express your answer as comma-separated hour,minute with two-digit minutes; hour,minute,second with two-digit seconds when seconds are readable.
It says 10,18
